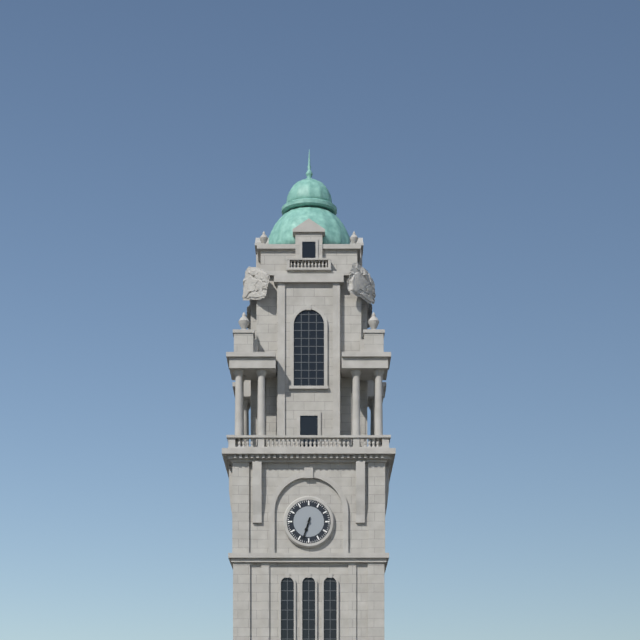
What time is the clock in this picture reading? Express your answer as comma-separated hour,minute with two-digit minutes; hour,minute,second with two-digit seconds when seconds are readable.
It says 6,33
